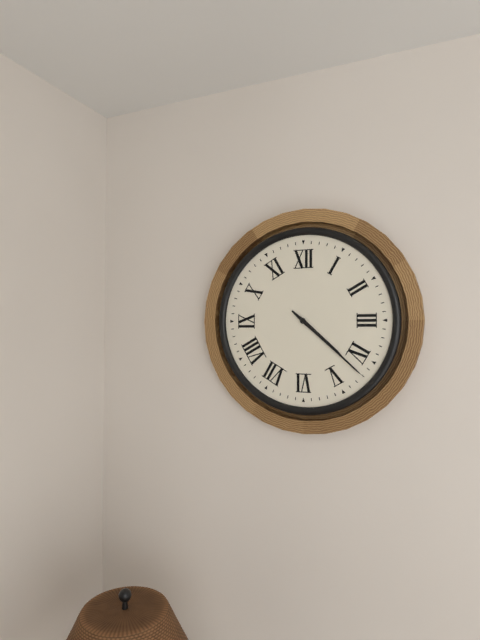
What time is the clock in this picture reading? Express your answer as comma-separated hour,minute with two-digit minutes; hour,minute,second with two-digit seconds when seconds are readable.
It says 4,22
